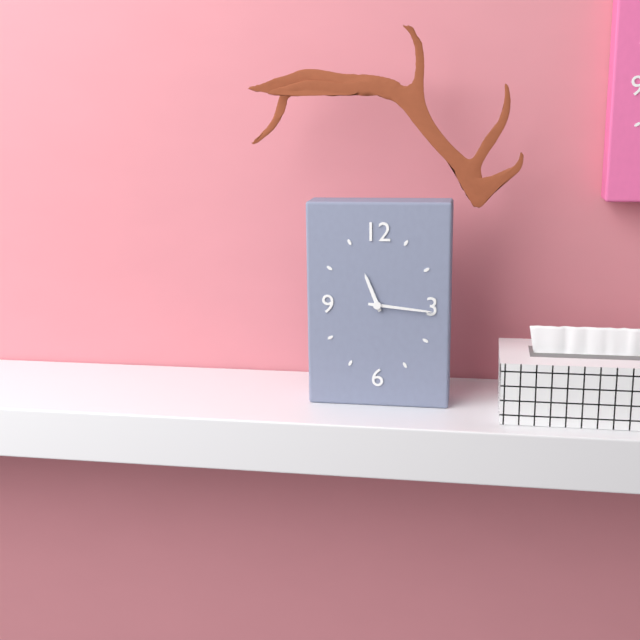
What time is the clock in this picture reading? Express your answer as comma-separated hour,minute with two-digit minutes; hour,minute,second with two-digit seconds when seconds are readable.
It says 11,16
